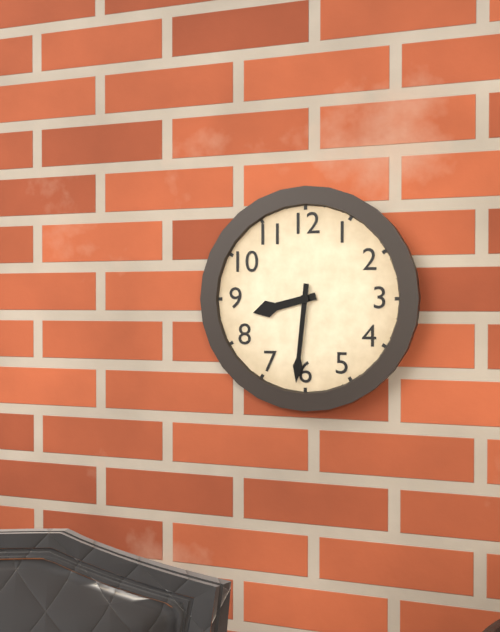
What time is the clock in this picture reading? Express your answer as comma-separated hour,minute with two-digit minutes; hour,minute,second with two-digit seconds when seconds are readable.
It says 8,31
